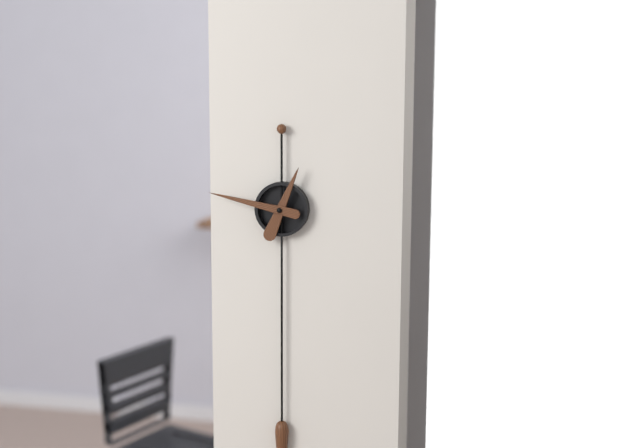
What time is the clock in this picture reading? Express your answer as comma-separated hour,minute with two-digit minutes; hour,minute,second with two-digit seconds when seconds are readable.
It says 12,47
